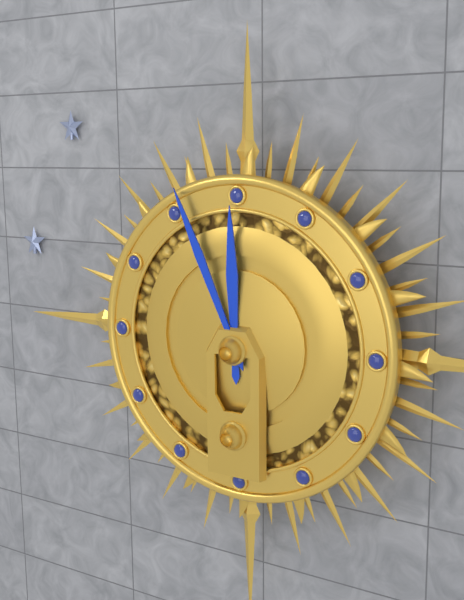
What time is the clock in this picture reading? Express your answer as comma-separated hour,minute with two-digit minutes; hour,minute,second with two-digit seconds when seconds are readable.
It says 11,56
